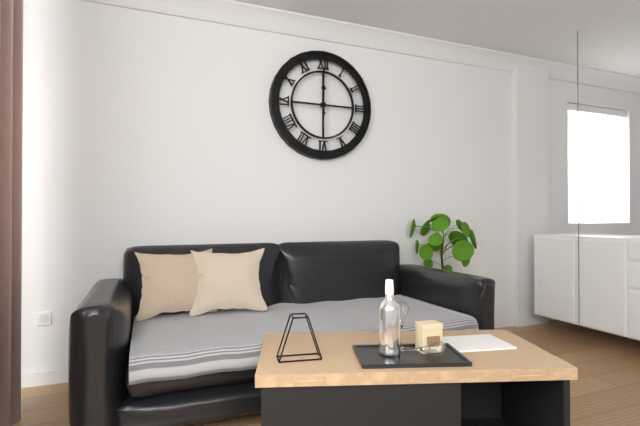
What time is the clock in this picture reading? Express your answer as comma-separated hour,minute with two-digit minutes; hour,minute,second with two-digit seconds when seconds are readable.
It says 12,00
